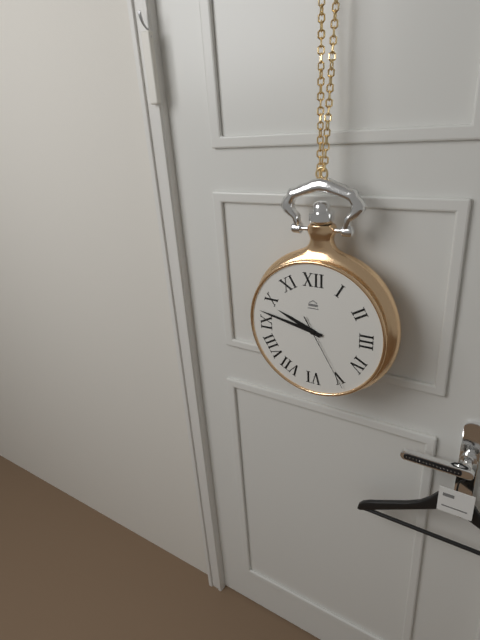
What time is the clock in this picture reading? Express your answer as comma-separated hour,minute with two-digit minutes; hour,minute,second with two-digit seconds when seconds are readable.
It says 9,47,25
